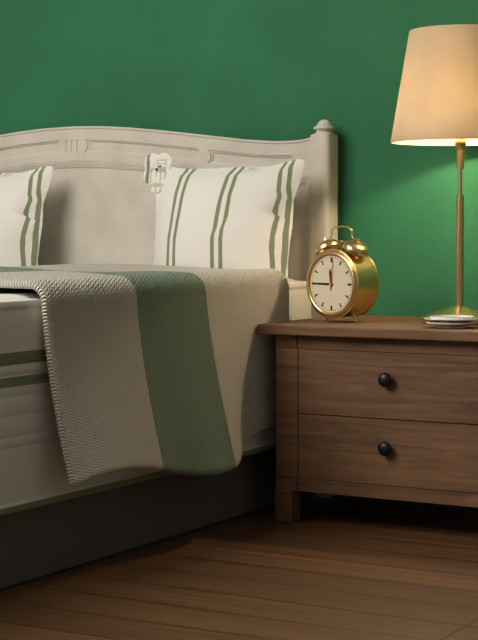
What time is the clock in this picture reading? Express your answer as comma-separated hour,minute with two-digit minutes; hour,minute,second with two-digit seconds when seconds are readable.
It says 11,45
